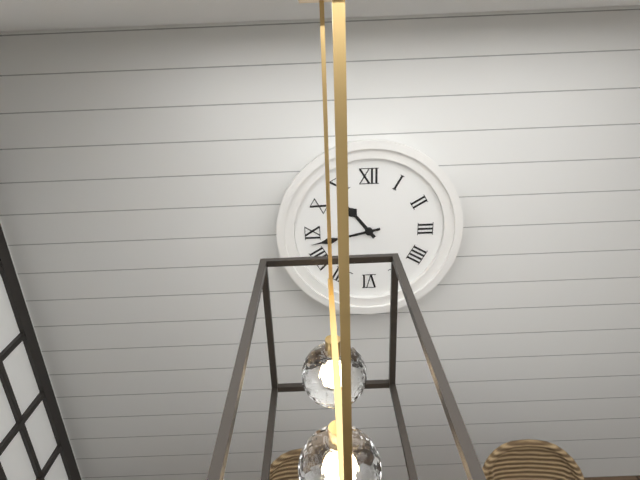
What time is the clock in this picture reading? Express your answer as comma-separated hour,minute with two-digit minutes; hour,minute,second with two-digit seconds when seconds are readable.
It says 10,43
